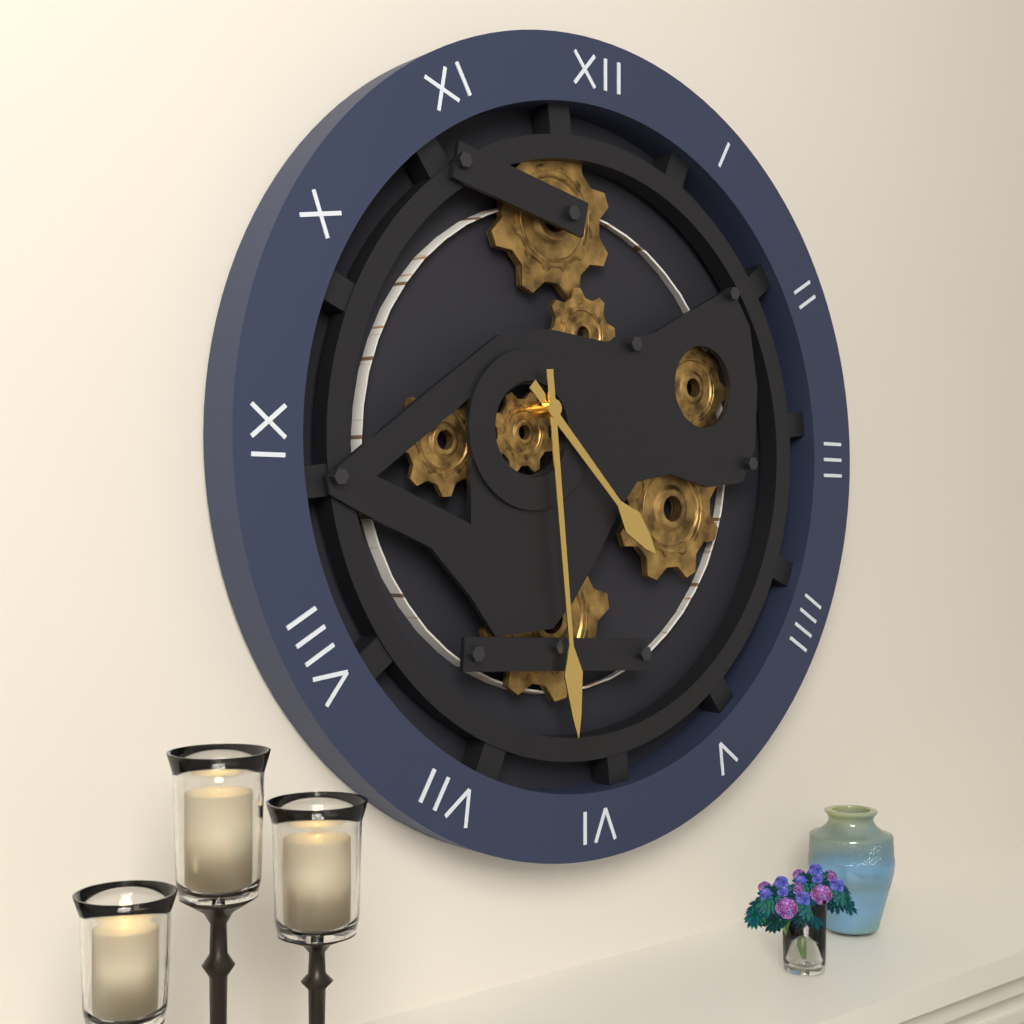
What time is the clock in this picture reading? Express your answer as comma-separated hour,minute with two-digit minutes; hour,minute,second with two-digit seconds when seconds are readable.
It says 4,29
